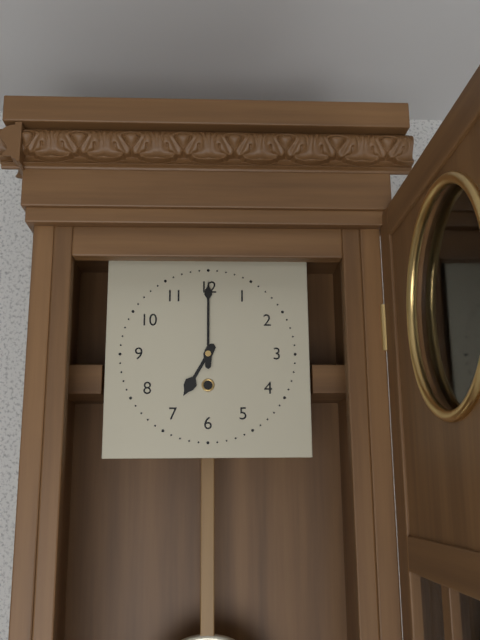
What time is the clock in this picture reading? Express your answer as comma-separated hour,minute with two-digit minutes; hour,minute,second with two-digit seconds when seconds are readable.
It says 7,00
